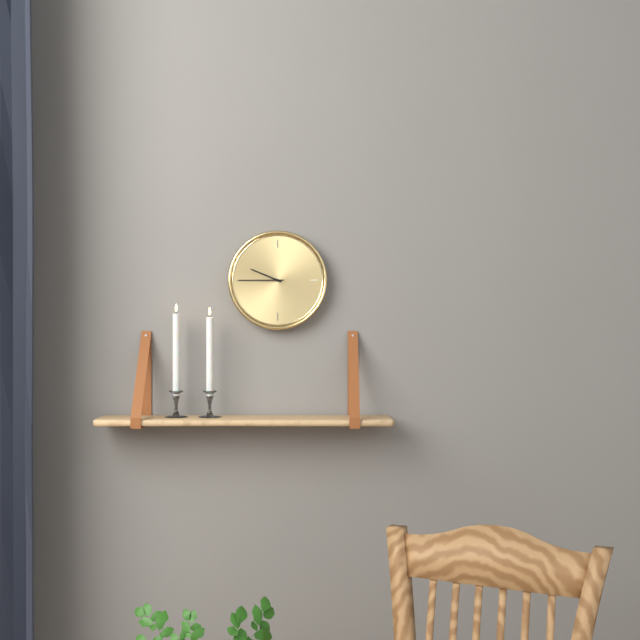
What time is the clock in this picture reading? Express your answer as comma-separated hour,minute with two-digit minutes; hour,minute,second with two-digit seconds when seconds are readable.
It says 9,45
